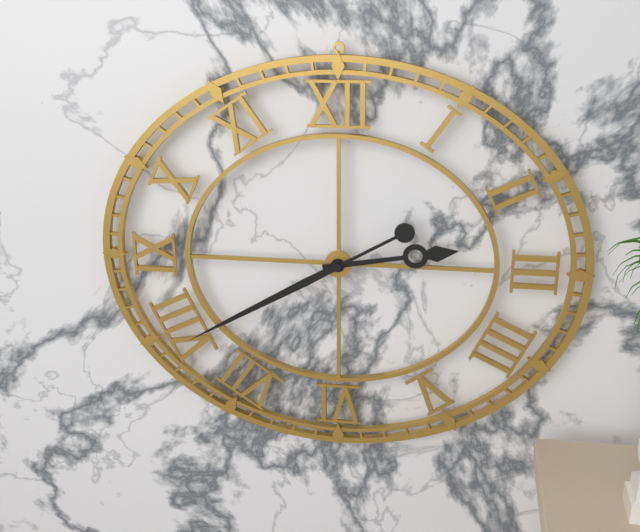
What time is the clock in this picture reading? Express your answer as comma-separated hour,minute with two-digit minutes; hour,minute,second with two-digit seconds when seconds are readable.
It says 2,40
